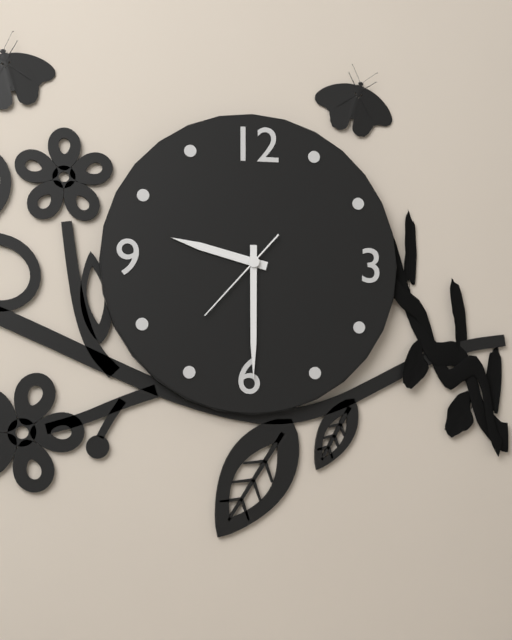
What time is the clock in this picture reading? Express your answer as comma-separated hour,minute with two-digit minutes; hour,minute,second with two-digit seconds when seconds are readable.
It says 9,30,37
